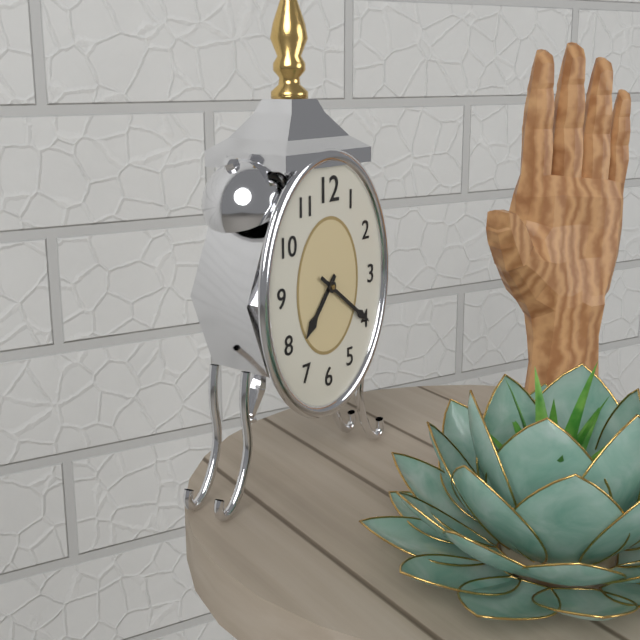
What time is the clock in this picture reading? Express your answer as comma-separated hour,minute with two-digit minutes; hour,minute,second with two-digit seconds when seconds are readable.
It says 7,21
